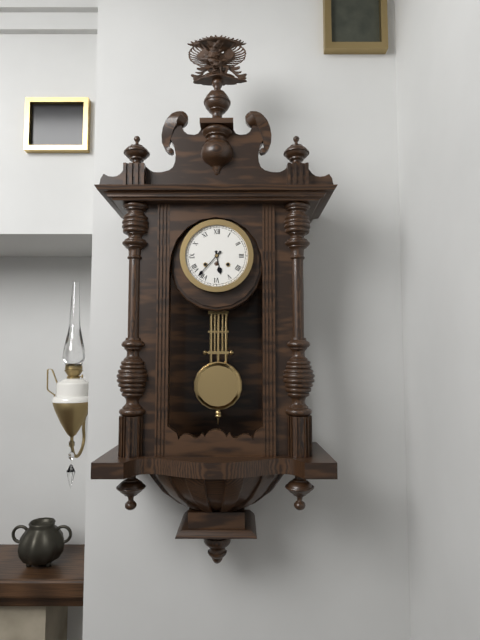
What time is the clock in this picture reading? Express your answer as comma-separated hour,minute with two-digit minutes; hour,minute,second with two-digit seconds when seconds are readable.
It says 5,37
